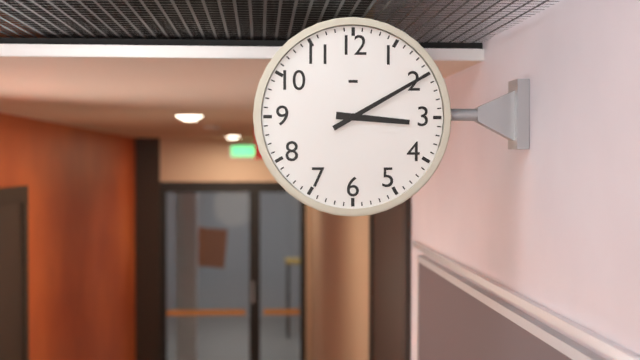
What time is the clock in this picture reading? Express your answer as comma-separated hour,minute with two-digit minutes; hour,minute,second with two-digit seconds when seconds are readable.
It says 3,10
